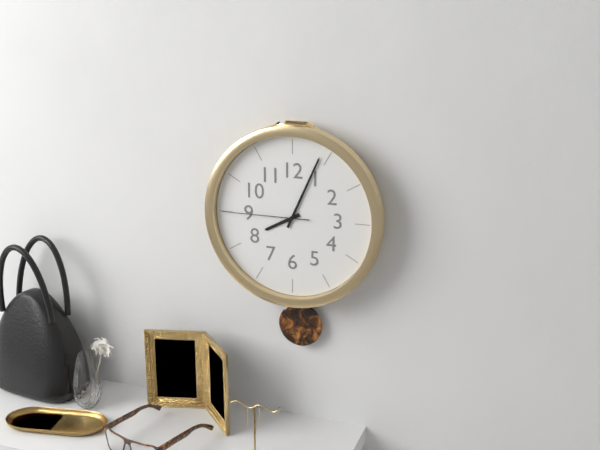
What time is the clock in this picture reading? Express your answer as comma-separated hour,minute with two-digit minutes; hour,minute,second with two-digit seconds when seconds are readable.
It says 8,04,45
